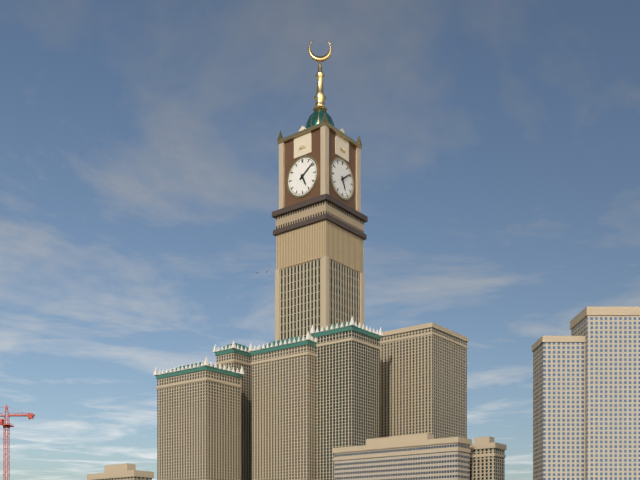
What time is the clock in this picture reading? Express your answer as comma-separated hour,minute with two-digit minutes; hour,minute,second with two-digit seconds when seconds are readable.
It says 5,09
